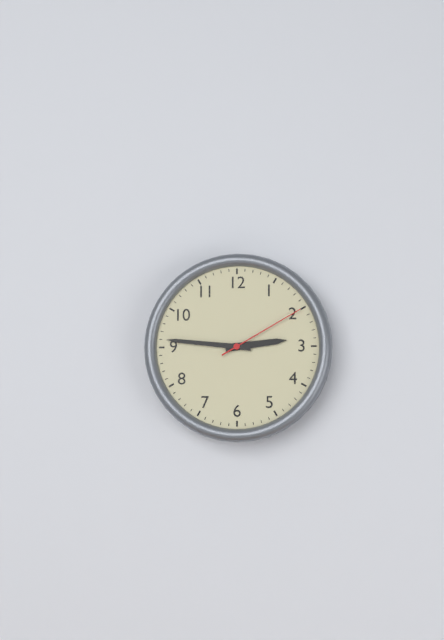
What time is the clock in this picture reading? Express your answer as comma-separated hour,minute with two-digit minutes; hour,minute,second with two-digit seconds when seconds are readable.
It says 2,46,10
